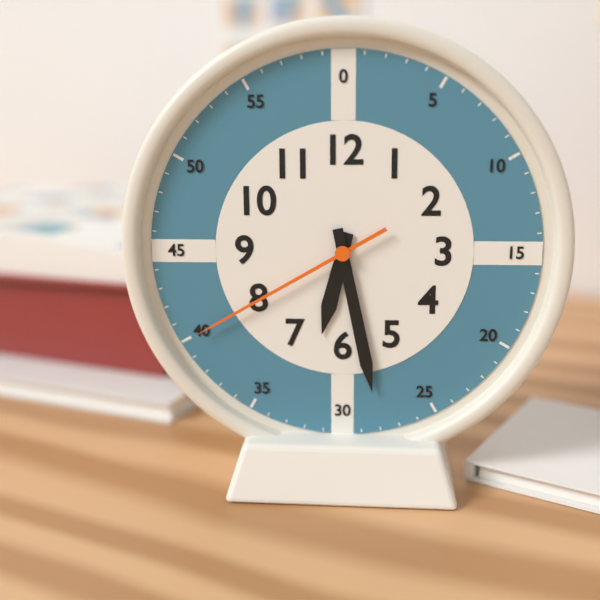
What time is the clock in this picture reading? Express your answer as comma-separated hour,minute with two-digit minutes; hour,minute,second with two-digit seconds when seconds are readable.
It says 6,28,40
